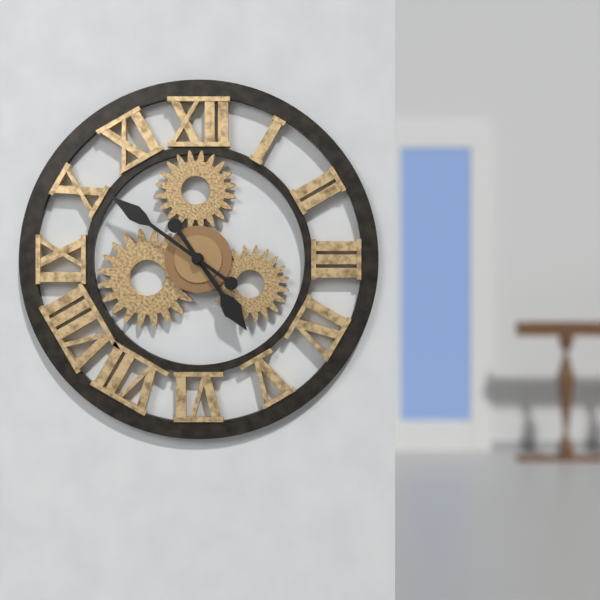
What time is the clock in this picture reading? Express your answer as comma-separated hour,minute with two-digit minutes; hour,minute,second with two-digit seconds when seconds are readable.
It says 4,51
